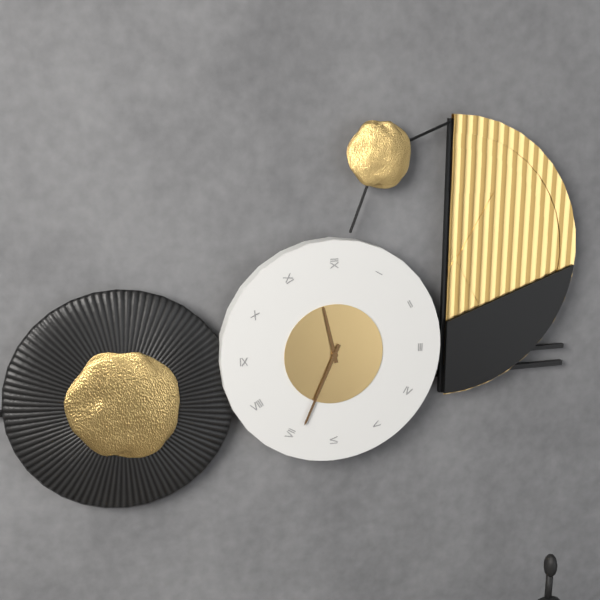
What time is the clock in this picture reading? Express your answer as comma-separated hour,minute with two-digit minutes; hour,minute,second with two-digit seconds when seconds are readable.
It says 11,34
